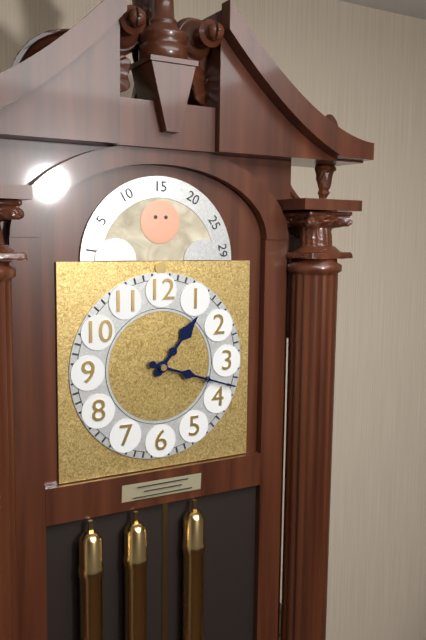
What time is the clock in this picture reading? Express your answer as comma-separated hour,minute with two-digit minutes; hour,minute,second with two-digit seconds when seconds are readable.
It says 1,18
